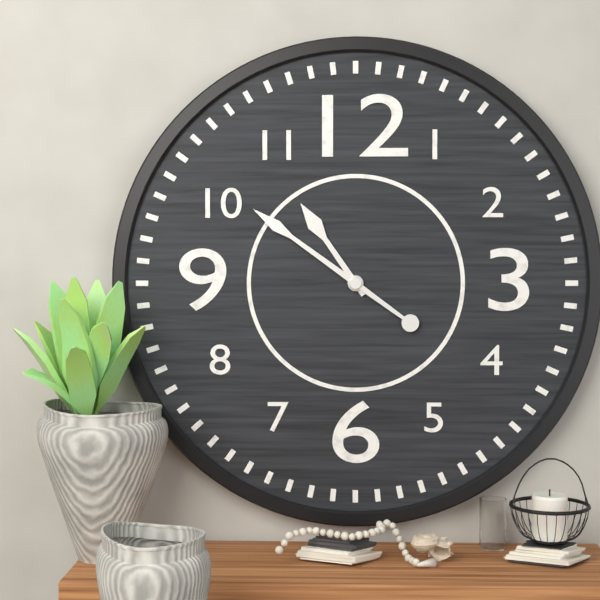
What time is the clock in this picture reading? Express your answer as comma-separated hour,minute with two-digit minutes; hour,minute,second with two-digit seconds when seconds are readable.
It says 10,51
